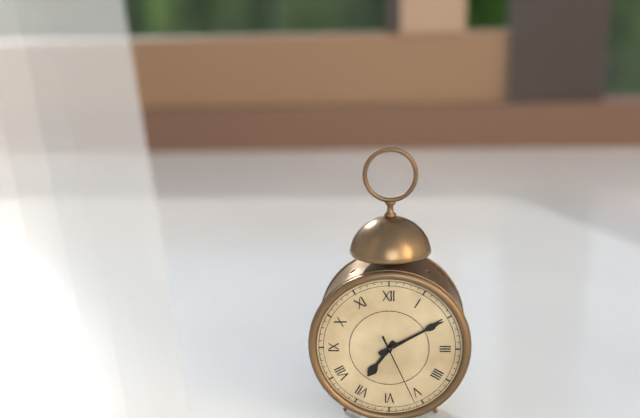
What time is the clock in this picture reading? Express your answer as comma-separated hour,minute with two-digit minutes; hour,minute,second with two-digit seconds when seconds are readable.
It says 7,10,26
